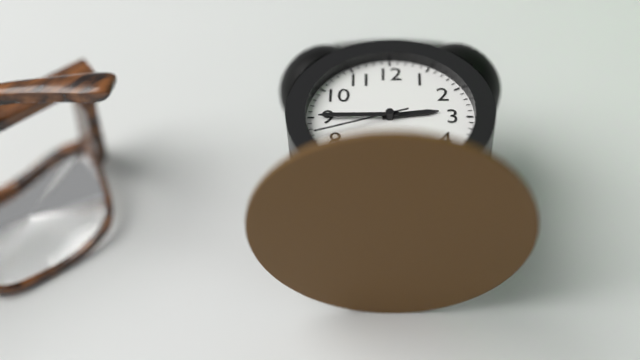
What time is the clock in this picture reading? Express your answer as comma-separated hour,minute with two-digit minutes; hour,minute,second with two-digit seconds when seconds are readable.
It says 2,45,42
